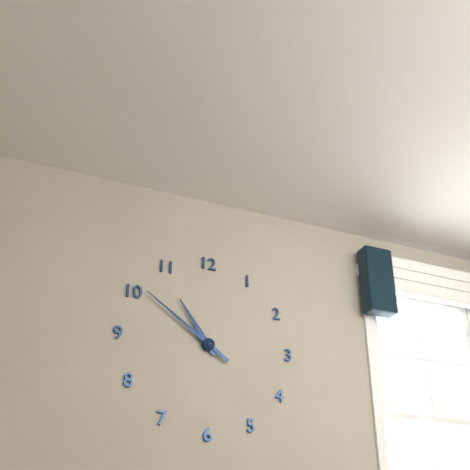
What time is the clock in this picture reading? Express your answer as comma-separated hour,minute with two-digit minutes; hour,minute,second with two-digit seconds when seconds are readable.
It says 10,51
